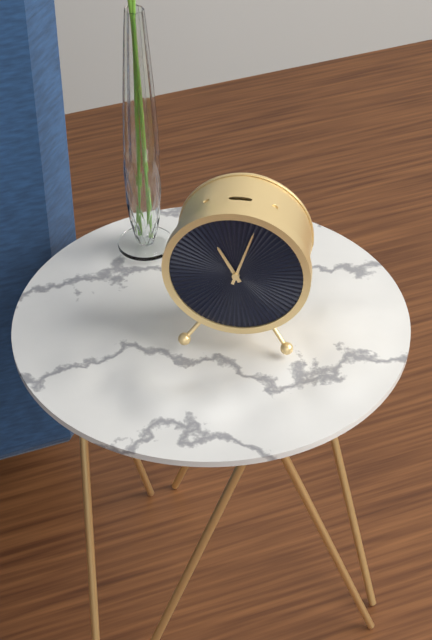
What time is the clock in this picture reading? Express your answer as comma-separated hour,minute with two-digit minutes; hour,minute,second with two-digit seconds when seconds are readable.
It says 11,03
